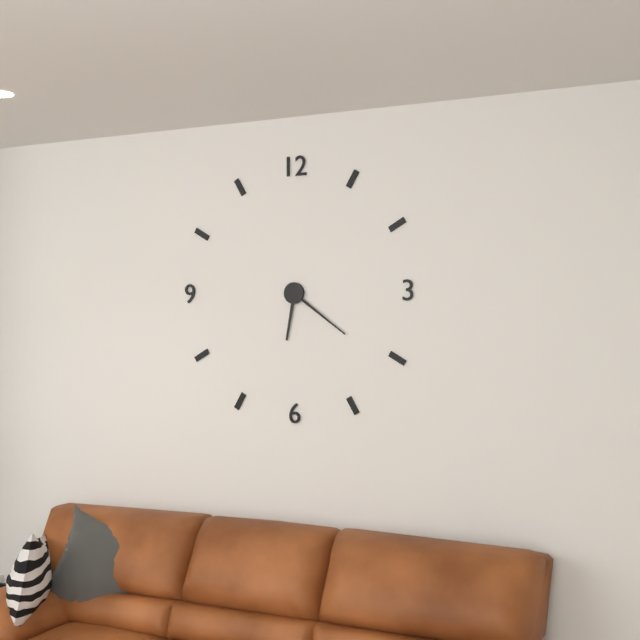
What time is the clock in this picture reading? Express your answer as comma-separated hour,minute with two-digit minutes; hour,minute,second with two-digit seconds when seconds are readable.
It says 6,21
